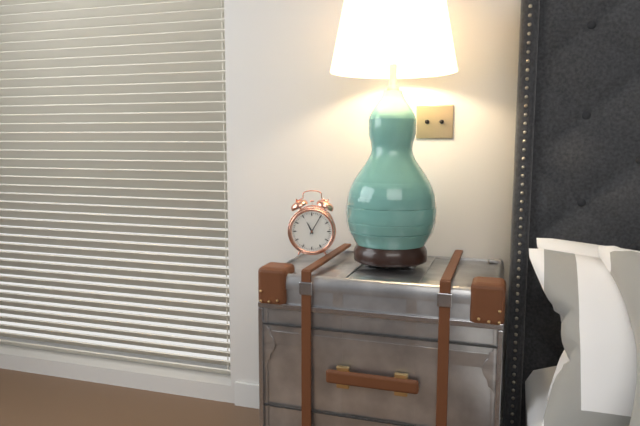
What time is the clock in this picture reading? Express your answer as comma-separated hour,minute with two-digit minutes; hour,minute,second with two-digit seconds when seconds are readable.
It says 11,05
